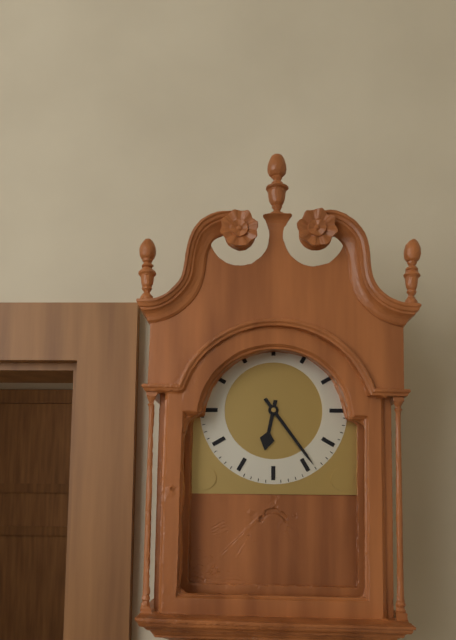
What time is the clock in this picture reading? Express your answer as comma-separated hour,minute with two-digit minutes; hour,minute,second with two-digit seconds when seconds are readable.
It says 6,24
